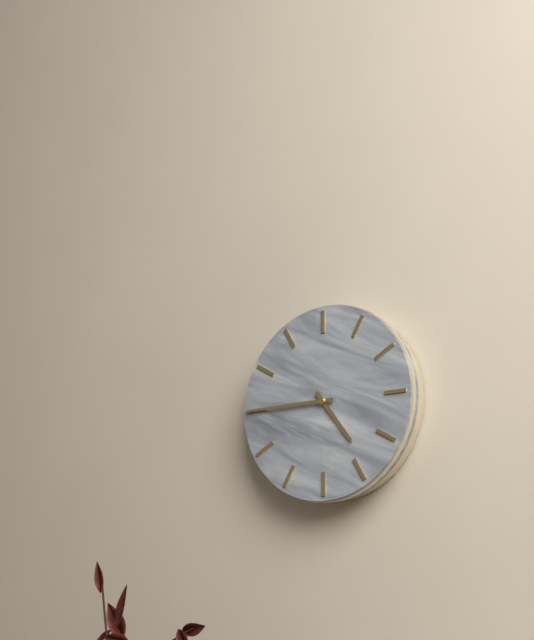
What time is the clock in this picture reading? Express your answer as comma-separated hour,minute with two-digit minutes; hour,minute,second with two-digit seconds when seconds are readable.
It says 4,45
